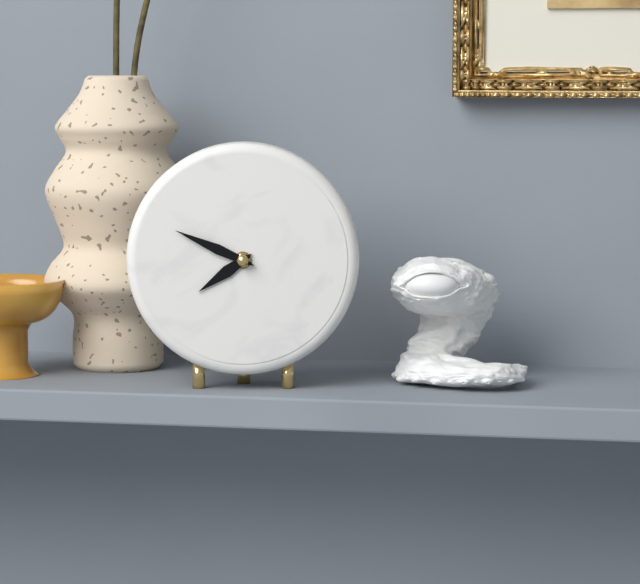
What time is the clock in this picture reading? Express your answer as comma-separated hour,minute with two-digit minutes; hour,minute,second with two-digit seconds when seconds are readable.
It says 7,49
